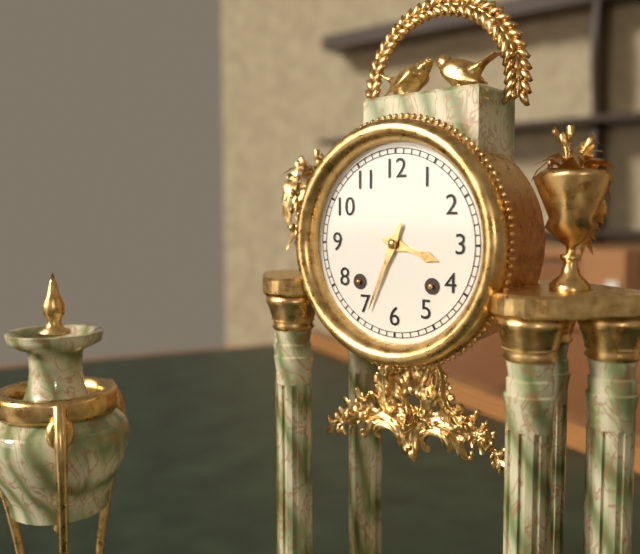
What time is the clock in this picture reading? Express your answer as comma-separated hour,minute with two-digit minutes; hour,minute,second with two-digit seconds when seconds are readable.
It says 3,34
